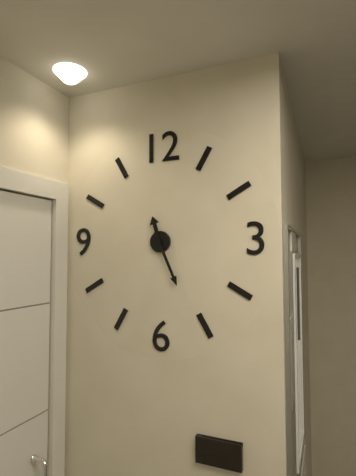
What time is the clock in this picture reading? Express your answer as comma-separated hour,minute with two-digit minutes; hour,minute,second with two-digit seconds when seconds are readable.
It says 11,26
